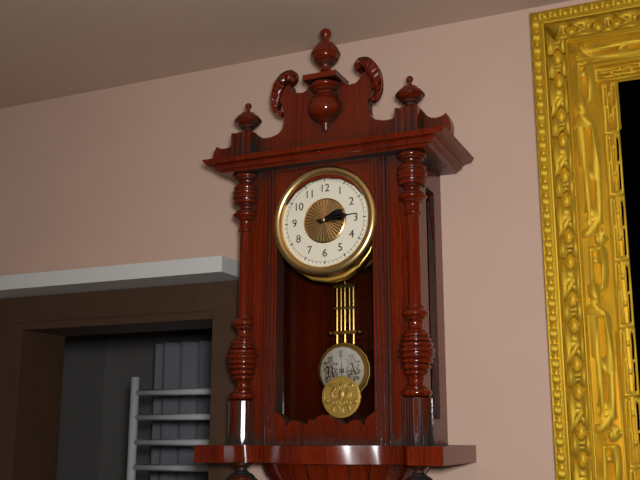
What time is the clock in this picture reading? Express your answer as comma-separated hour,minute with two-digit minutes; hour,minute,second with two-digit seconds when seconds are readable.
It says 2,14
